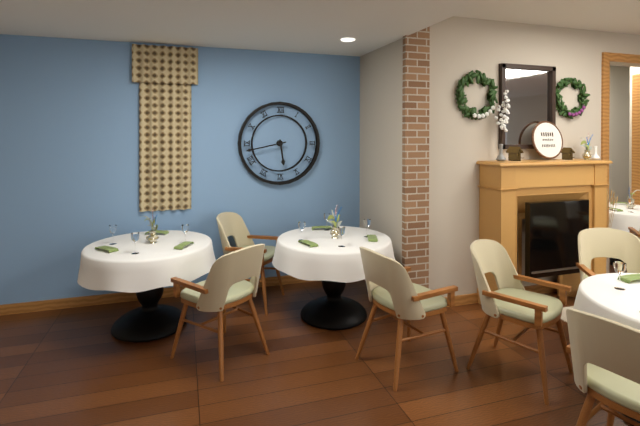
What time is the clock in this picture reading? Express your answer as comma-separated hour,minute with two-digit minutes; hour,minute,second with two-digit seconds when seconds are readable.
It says 5,43
